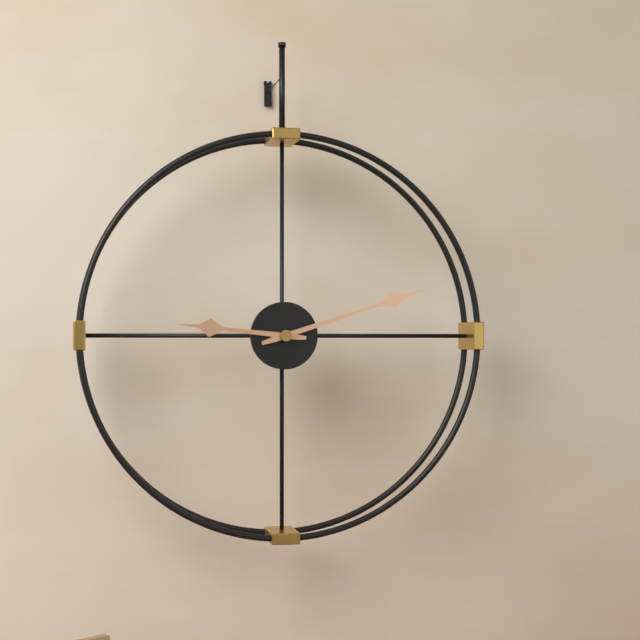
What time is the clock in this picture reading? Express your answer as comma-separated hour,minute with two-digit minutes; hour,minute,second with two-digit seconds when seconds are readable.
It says 9,12
